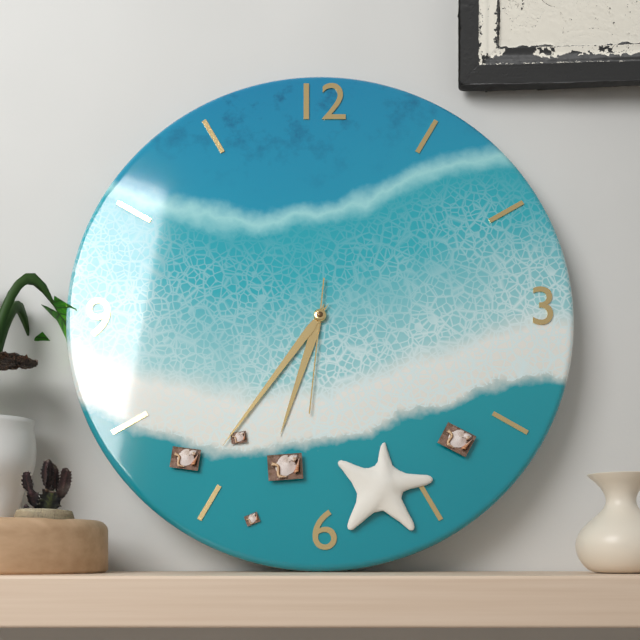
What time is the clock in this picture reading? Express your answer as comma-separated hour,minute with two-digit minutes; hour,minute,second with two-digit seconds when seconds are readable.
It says 6,36,31
